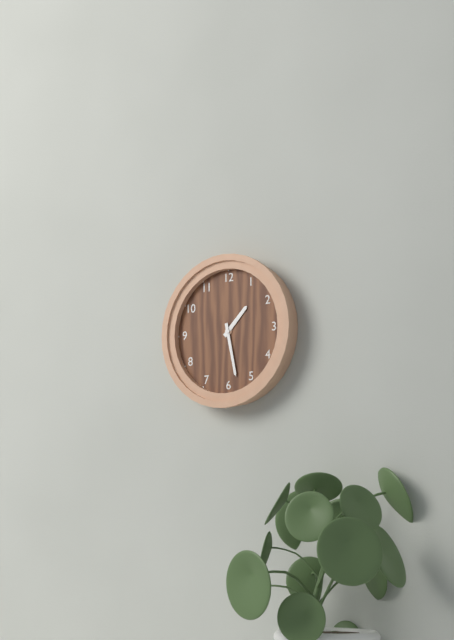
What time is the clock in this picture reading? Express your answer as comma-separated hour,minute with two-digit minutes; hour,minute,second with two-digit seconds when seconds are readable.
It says 1,28
